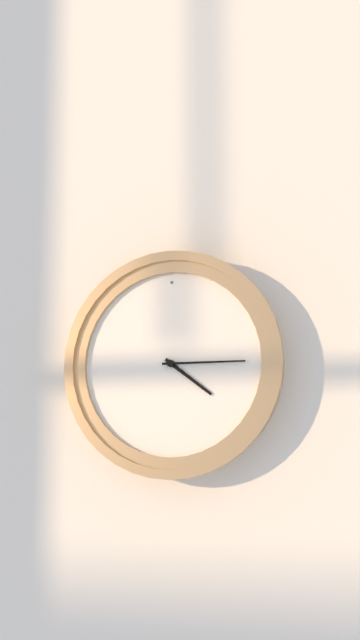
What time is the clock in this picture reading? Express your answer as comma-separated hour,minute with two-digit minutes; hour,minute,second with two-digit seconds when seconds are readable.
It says 4,15
